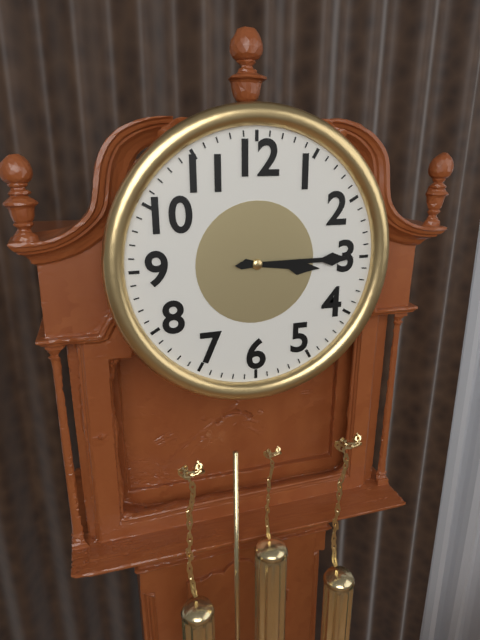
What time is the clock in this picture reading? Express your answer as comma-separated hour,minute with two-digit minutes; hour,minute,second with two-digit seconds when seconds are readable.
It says 3,15
